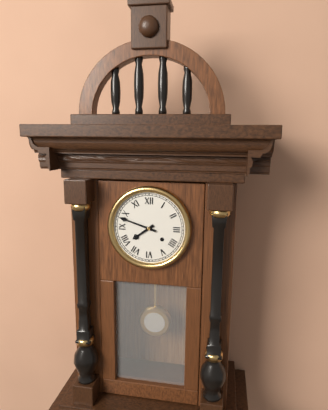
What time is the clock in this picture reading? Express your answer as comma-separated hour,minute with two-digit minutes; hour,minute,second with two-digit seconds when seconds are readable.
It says 7,48
